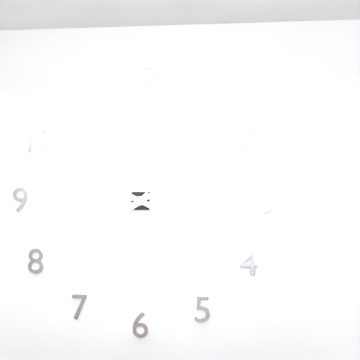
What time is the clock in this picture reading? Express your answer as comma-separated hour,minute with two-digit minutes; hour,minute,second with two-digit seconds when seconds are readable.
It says 7,49
